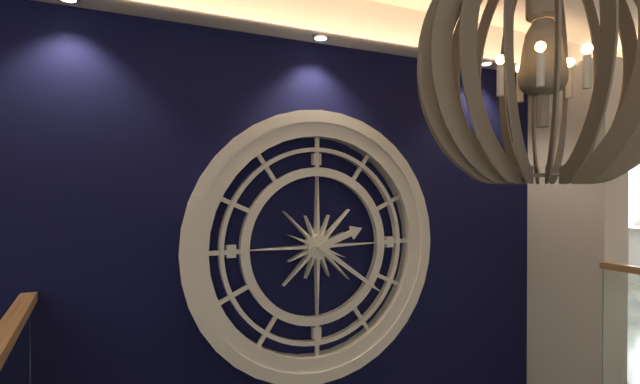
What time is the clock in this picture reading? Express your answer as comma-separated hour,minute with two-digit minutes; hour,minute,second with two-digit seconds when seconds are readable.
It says 2,21
